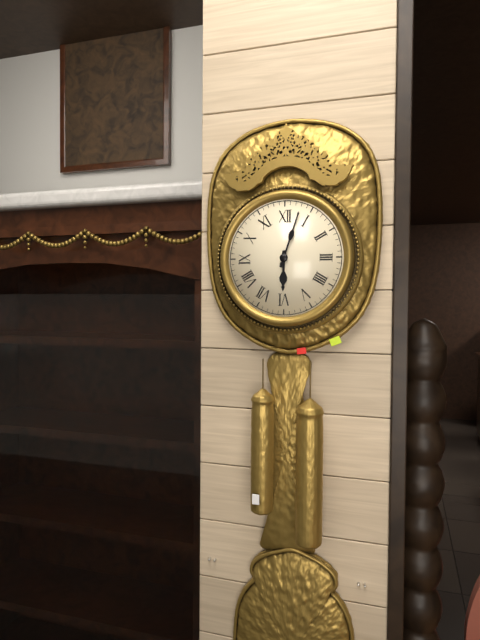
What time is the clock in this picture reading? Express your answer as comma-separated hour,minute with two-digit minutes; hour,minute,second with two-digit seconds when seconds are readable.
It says 6,03
